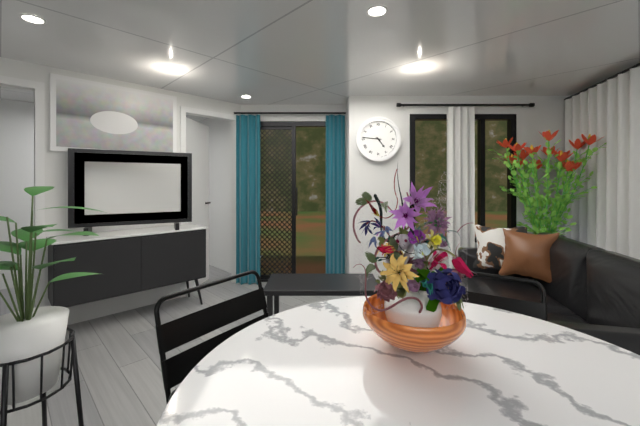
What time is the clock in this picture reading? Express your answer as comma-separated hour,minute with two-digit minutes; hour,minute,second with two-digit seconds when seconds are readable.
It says 4,46
